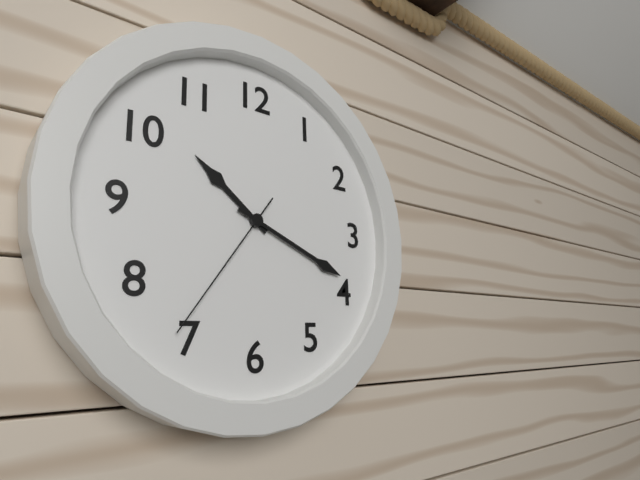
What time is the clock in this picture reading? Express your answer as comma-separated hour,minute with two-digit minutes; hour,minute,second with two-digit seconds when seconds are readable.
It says 10,19,36
